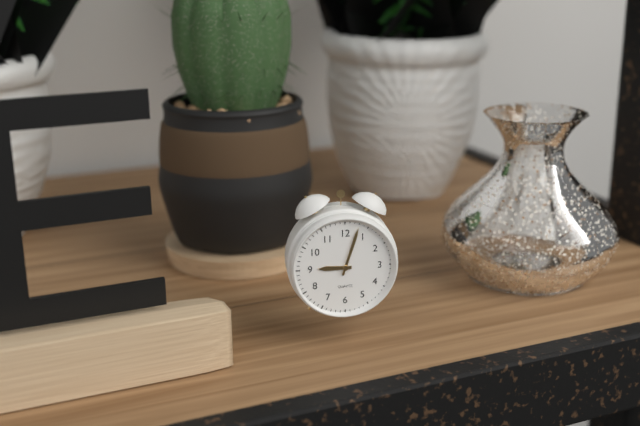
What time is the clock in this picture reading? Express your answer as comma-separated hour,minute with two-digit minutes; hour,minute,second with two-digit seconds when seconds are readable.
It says 9,03
